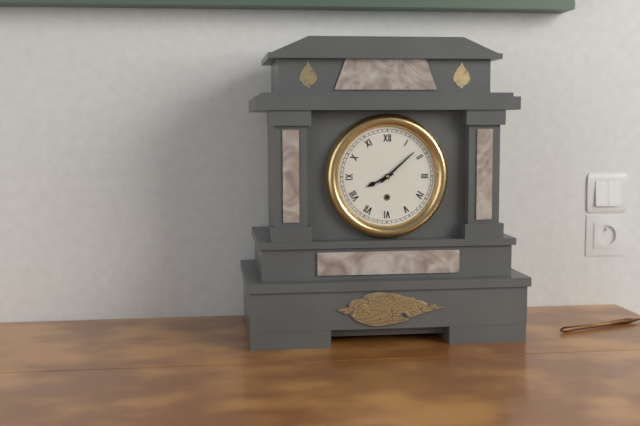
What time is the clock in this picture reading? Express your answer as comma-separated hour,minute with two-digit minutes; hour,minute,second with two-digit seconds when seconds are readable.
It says 8,08
